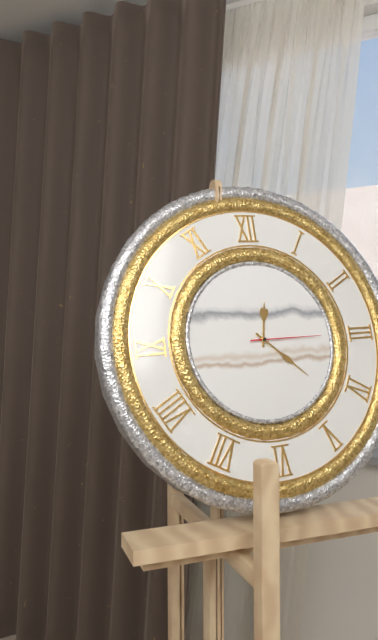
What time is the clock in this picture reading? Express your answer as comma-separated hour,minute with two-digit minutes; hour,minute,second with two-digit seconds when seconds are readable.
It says 12,22,15
